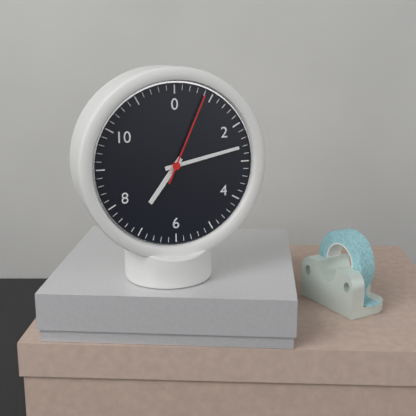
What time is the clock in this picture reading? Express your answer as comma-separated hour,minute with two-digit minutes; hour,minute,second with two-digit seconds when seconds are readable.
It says 7,13,04
